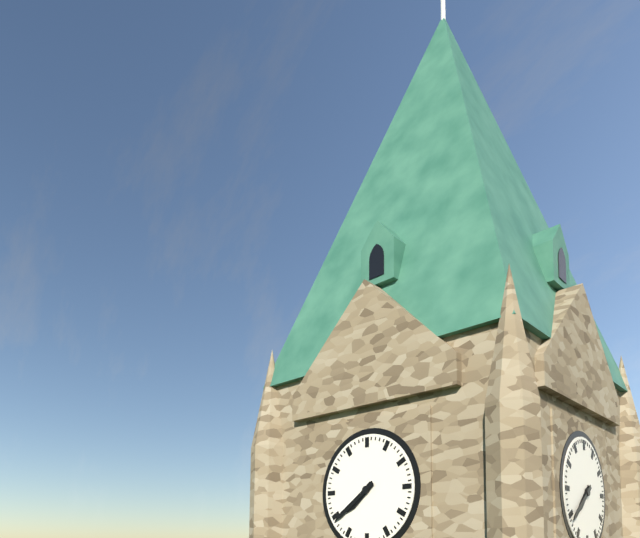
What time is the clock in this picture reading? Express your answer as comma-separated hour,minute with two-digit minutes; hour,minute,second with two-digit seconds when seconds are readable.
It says 7,39
